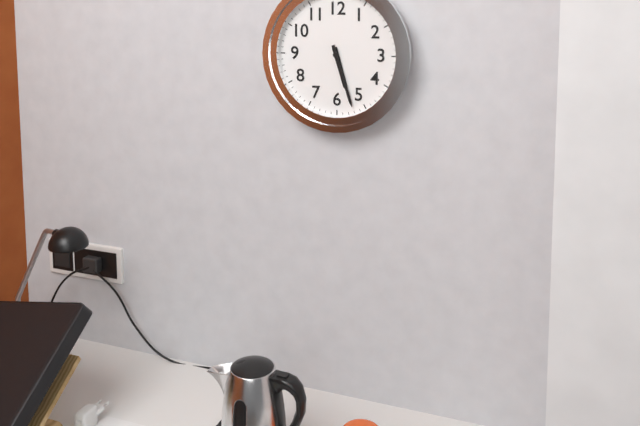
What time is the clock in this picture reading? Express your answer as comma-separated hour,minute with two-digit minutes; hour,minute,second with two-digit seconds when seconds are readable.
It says 5,27
